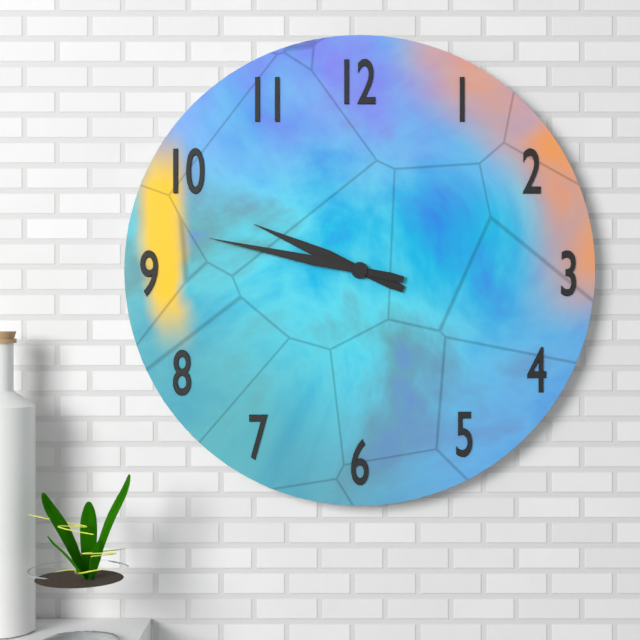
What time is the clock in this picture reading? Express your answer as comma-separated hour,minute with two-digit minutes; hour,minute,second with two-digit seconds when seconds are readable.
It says 9,47
